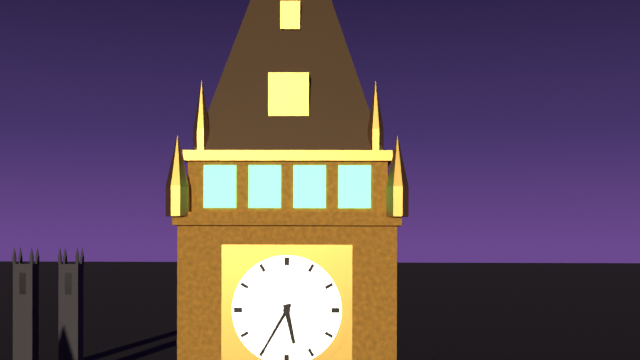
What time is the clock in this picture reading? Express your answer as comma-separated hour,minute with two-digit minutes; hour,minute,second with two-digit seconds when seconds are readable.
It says 5,35
